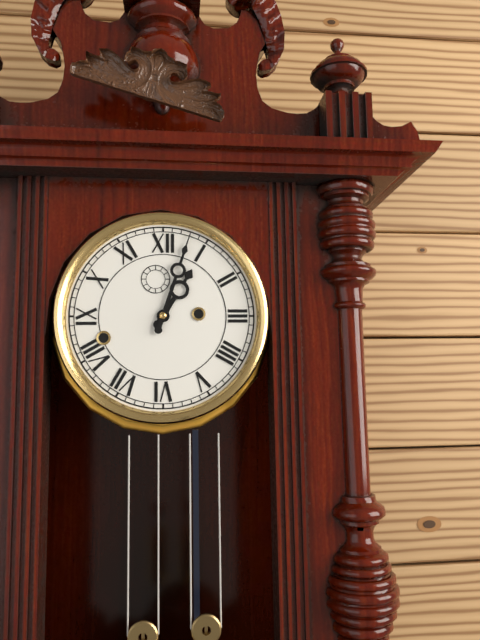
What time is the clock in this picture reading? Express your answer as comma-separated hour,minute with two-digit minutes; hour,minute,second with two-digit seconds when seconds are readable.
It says 1,03
